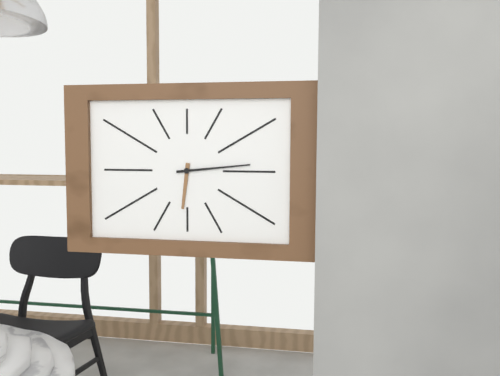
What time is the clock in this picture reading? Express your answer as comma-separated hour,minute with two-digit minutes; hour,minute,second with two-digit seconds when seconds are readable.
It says 6,14
